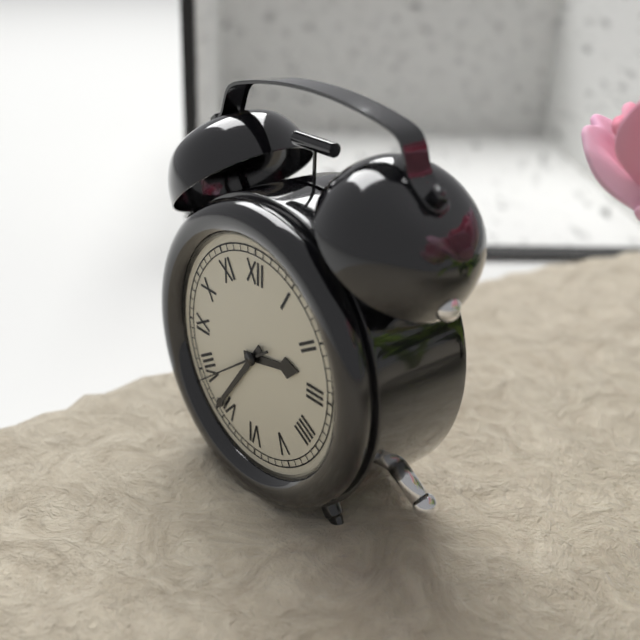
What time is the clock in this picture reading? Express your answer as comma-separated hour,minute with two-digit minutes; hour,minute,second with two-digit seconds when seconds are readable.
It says 2,36,39
